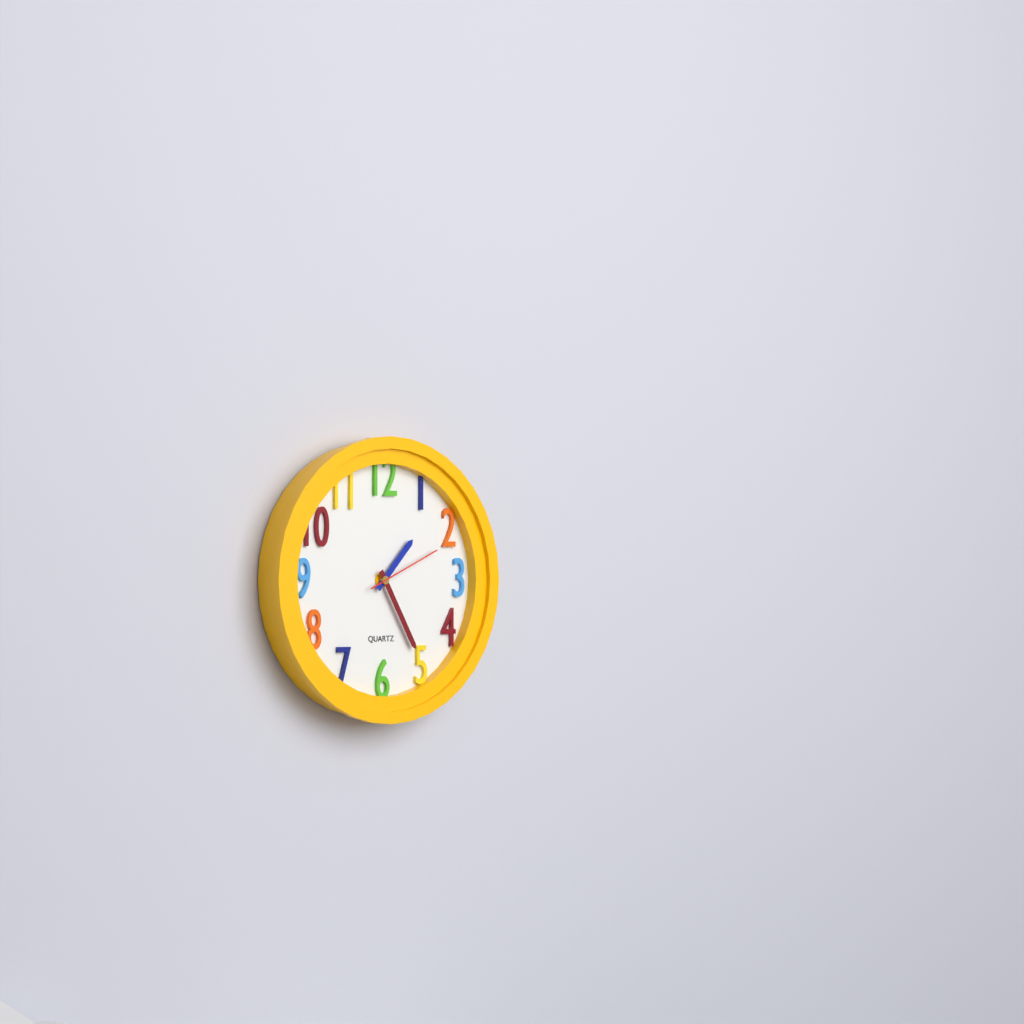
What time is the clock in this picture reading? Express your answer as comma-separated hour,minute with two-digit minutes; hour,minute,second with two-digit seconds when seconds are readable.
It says 1,25,11
